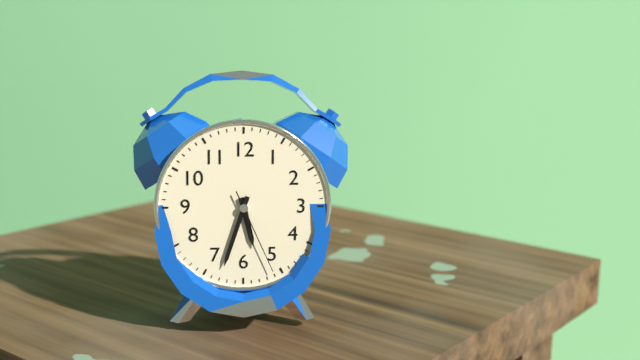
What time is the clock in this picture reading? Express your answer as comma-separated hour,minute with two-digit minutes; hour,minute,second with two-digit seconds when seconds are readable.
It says 5,33,26
